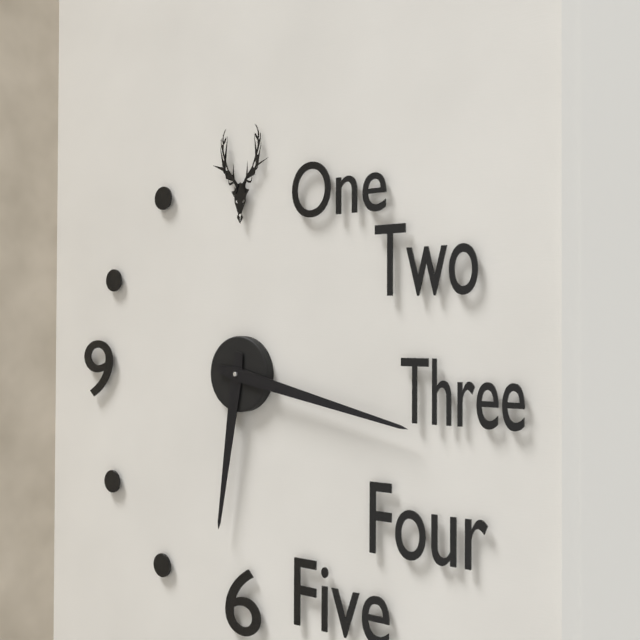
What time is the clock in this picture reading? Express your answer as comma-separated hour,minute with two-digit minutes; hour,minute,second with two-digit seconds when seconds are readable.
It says 6,17
